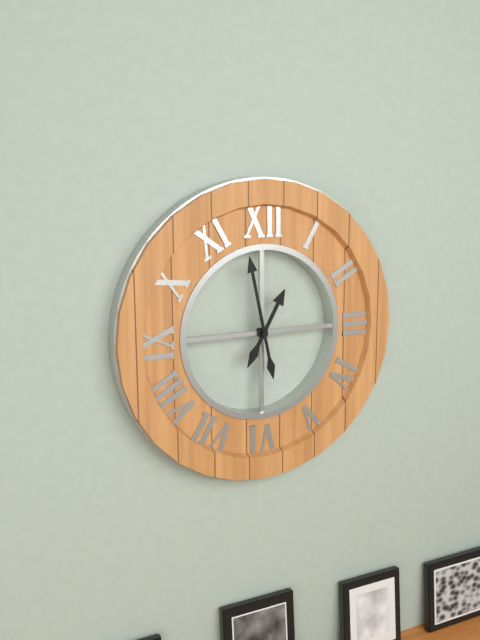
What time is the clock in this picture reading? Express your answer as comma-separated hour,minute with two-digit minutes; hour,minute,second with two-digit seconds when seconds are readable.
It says 12,58
